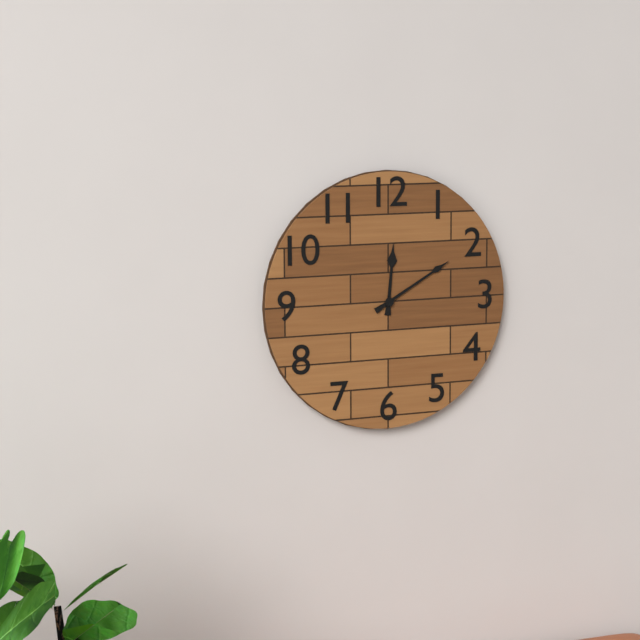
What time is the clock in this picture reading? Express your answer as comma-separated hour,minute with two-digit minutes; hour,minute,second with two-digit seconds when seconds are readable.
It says 12,10
